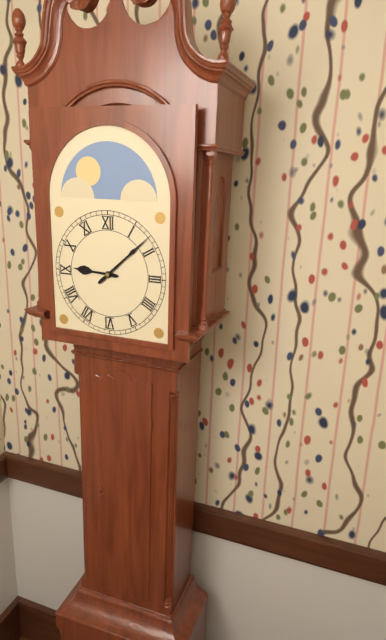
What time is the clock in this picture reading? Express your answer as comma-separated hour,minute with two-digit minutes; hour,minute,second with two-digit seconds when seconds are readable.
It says 9,08
